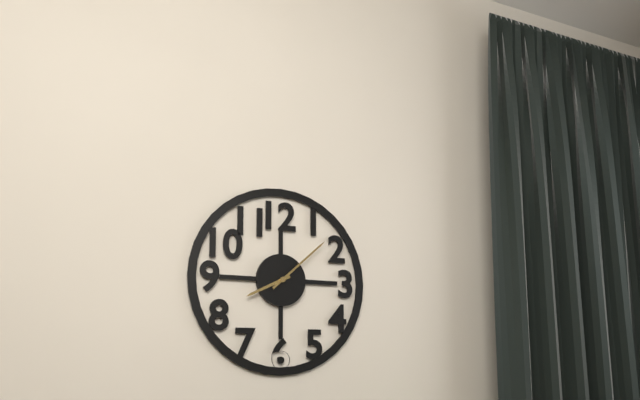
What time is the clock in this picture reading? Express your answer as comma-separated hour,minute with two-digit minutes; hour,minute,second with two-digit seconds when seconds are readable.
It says 8,08
